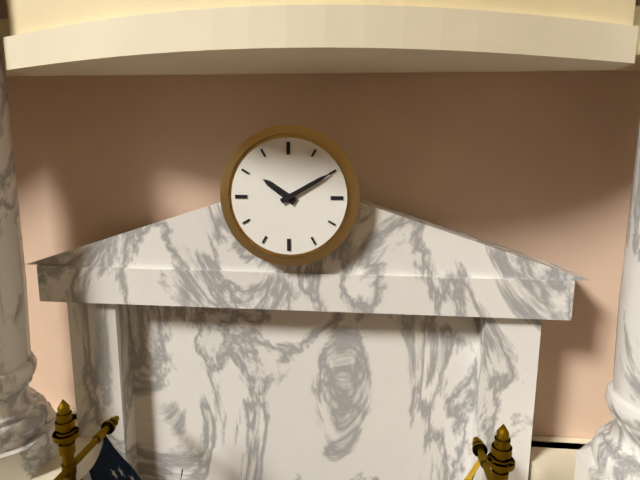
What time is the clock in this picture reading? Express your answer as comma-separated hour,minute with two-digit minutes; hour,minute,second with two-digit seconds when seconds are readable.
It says 10,10
